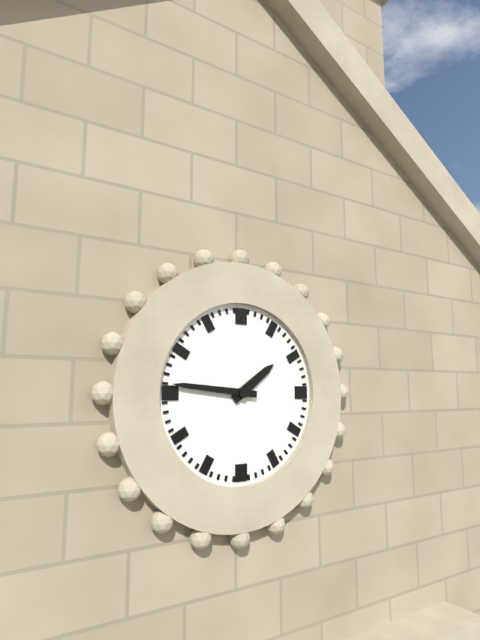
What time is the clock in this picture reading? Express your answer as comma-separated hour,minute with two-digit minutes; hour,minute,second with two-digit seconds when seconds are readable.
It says 1,46
